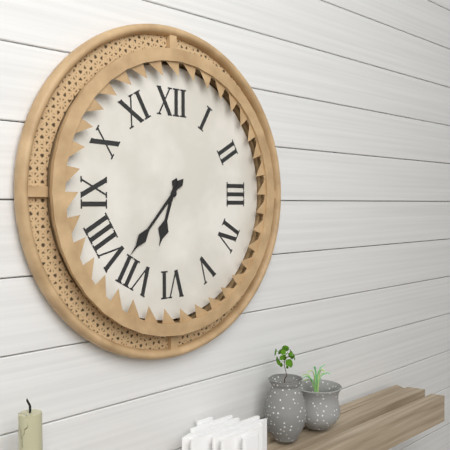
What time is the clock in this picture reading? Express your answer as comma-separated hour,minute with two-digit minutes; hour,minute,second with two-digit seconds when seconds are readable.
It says 6,37
